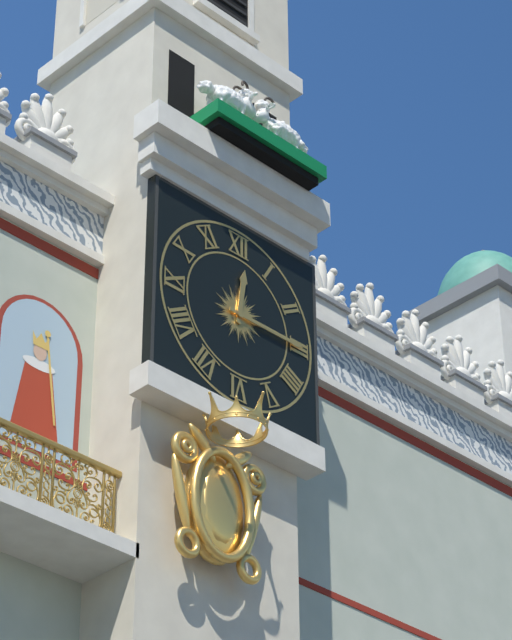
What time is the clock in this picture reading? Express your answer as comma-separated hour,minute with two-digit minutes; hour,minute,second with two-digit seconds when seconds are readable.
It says 12,15
